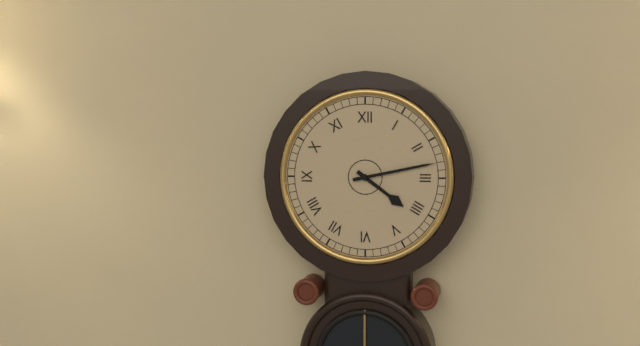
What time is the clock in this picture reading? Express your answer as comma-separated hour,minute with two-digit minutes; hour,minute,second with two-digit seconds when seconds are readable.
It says 4,13
